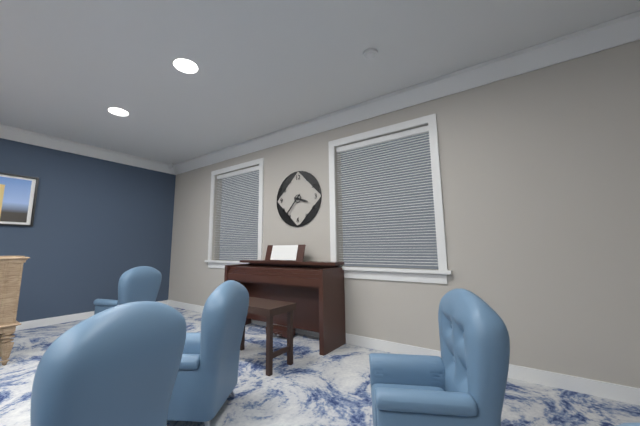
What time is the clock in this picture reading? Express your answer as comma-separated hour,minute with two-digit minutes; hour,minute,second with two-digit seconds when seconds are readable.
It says 3,37
